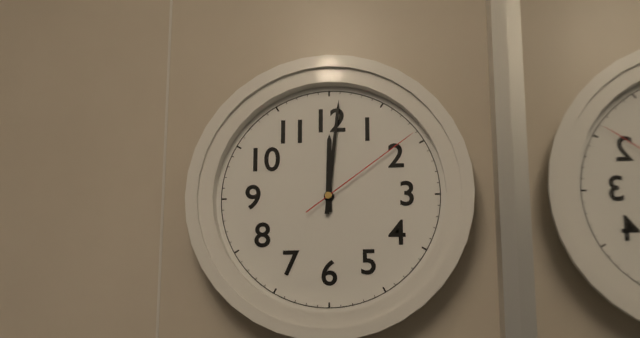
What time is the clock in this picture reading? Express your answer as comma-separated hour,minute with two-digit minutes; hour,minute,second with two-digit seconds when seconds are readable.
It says 12,01,09
